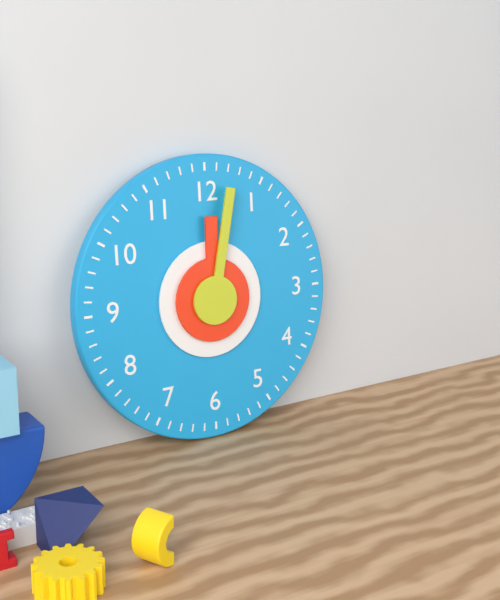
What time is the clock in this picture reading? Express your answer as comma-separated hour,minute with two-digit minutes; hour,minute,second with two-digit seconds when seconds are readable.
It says 12,02
